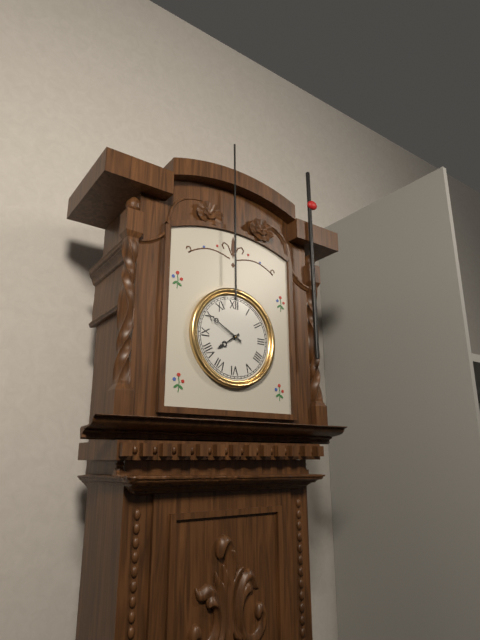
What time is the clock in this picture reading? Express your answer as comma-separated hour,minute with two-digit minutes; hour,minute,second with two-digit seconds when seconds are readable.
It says 7,50
